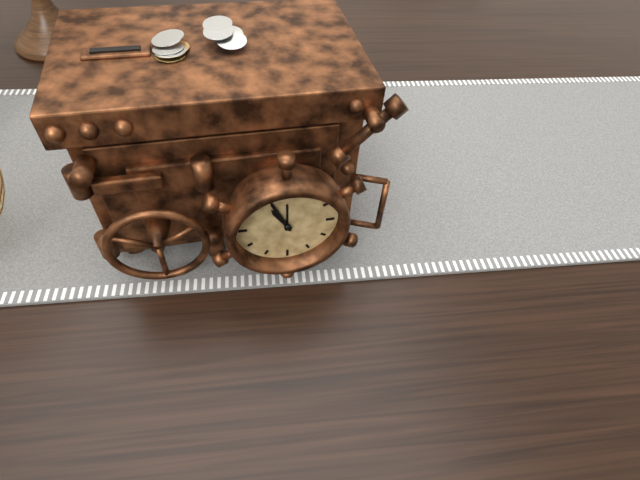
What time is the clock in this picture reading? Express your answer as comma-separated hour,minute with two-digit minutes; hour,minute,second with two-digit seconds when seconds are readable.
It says 10,56
